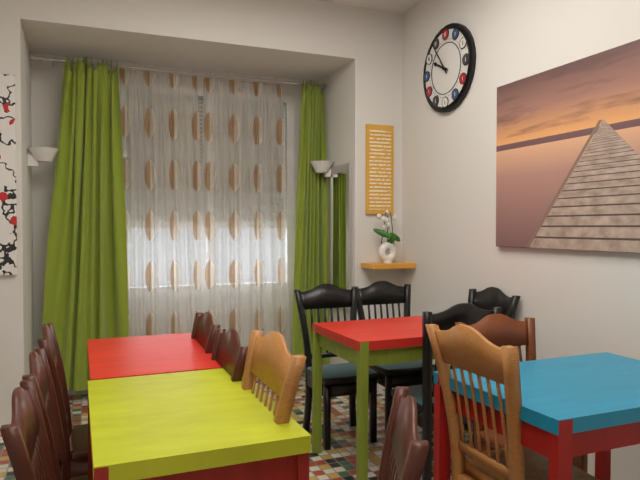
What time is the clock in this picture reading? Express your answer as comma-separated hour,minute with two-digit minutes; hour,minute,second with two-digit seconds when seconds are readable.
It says 9,54
